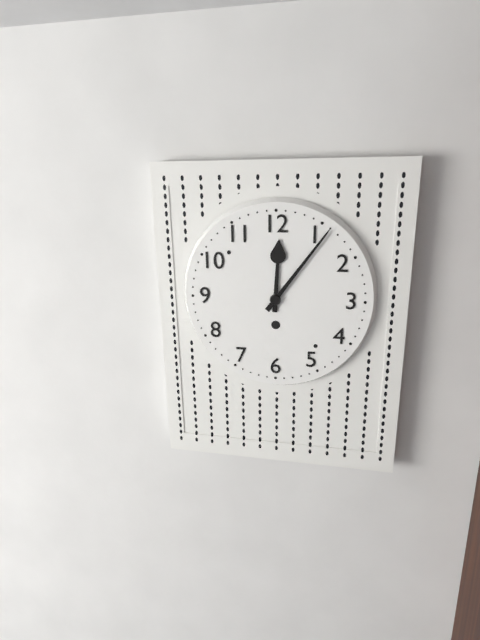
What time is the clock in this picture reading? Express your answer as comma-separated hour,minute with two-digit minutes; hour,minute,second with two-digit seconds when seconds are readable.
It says 12,06
